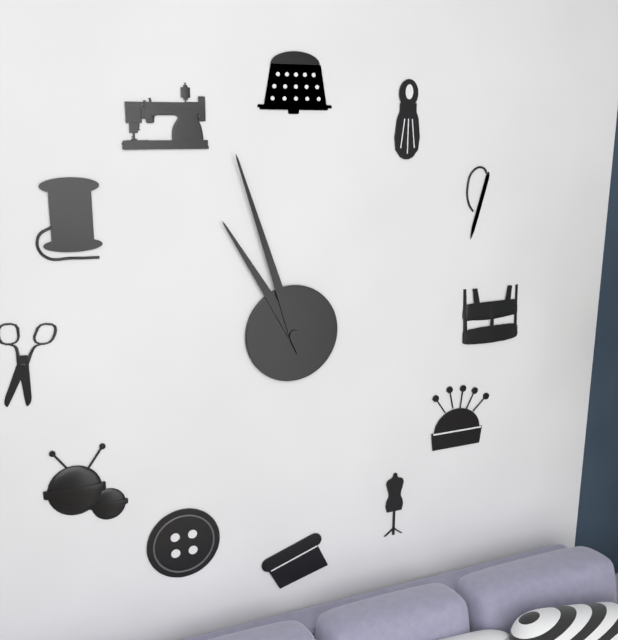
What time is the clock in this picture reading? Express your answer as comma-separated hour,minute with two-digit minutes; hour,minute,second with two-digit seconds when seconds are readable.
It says 10,57
